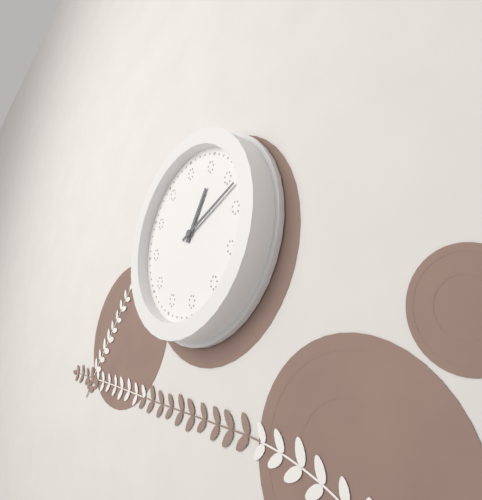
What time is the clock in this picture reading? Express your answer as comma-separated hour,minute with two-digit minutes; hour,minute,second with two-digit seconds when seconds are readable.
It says 1,12
